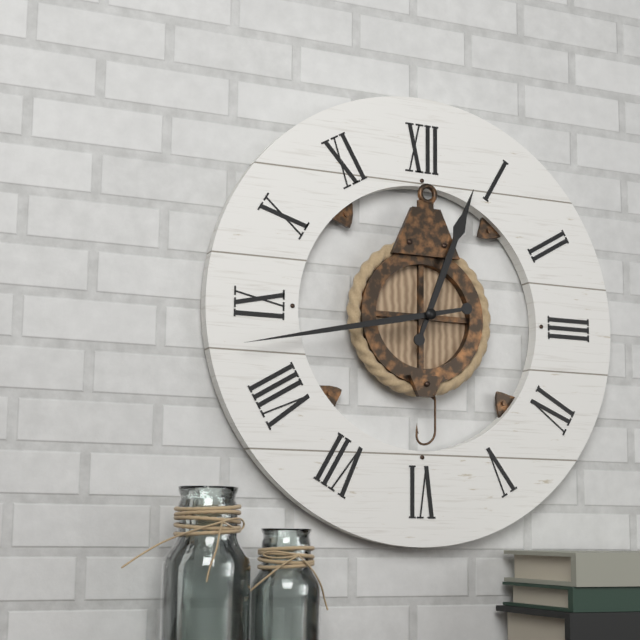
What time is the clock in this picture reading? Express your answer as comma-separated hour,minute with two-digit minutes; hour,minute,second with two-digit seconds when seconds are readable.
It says 12,43
